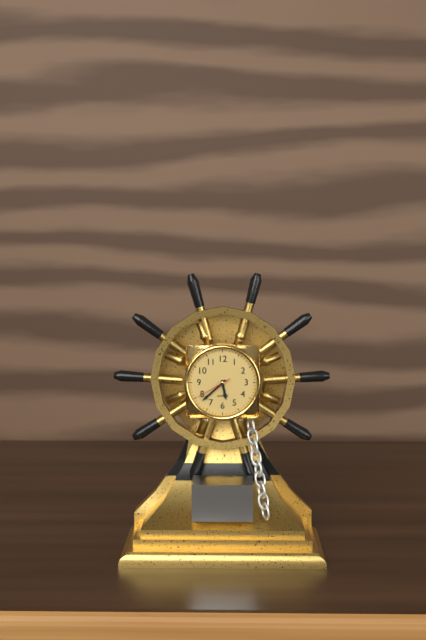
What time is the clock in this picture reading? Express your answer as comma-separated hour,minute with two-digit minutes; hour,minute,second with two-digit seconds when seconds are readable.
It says 5,38
